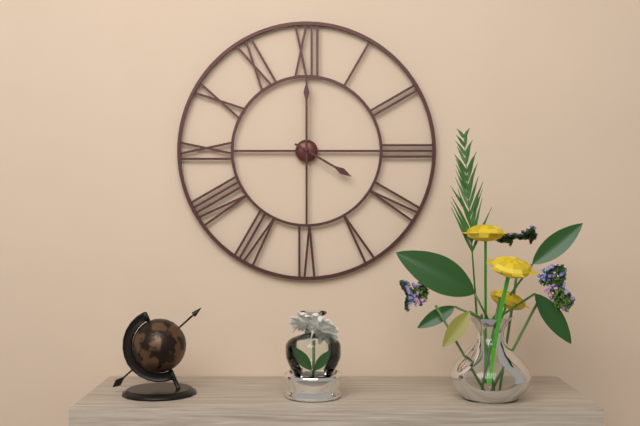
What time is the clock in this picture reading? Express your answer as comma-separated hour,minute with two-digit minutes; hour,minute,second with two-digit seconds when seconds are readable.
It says 4,00
